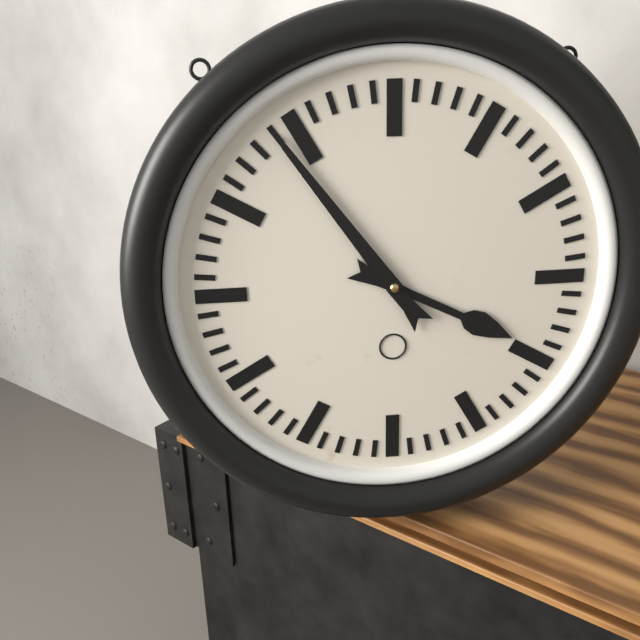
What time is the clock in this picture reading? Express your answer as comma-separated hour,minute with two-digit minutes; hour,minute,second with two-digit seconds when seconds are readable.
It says 3,54
